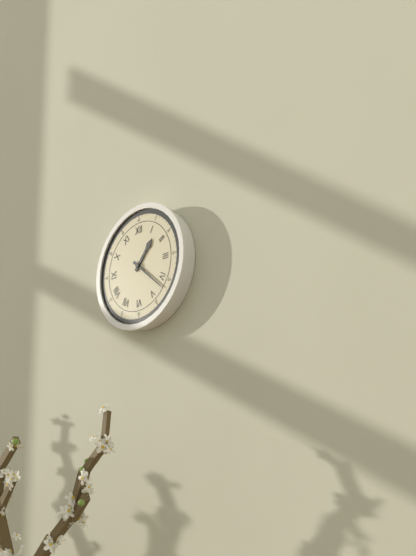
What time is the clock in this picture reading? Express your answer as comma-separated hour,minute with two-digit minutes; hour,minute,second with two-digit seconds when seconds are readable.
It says 1,22
